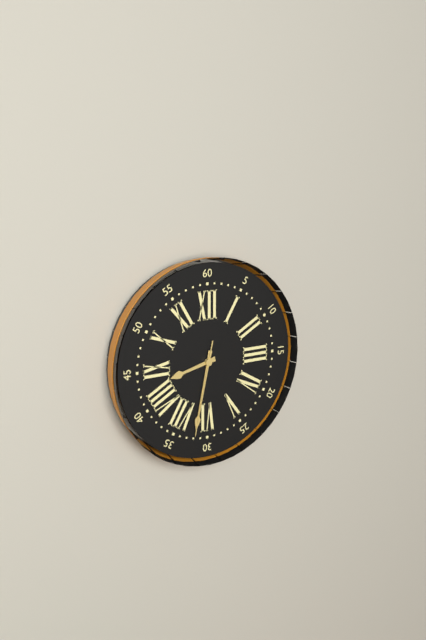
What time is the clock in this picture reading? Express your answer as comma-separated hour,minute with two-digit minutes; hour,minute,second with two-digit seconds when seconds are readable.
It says 8,32,32
